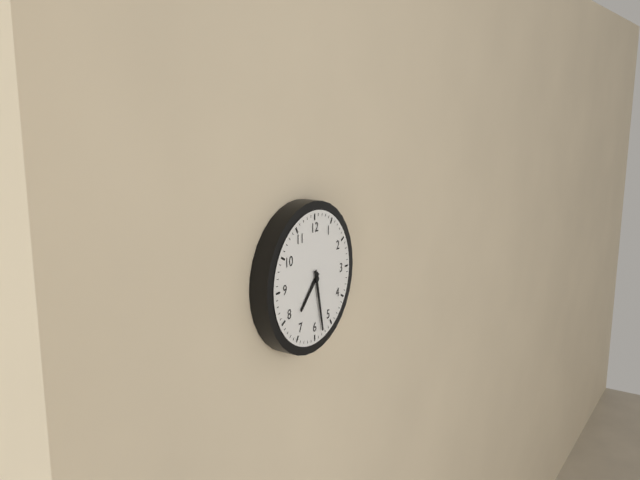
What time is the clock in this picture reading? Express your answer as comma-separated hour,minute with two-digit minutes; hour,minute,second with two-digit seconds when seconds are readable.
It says 7,28
